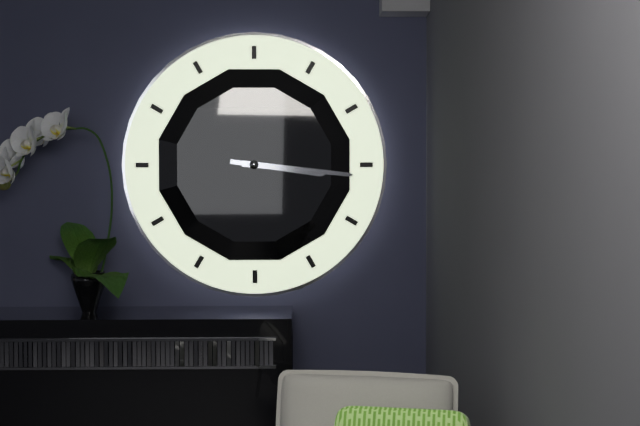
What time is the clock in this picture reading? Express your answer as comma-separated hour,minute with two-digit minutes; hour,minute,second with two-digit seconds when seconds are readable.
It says 3,16
